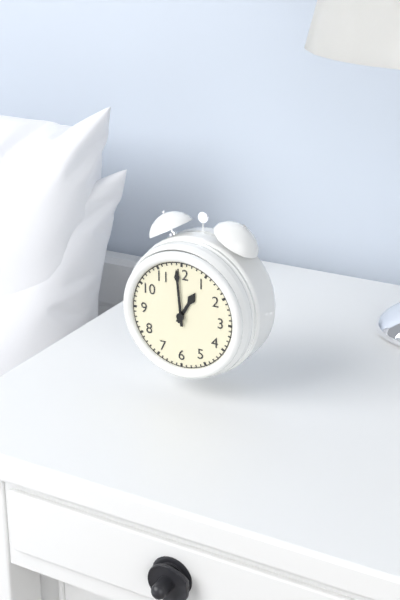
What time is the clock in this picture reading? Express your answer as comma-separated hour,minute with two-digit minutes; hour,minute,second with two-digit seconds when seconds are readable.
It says 12,59
